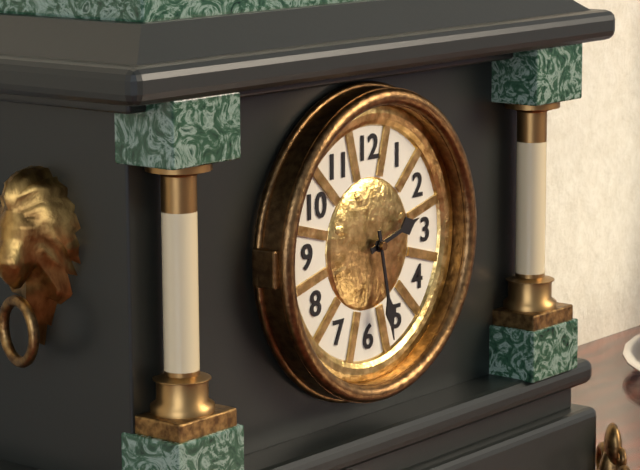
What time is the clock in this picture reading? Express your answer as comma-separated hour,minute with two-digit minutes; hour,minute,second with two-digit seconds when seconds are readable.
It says 2,28
